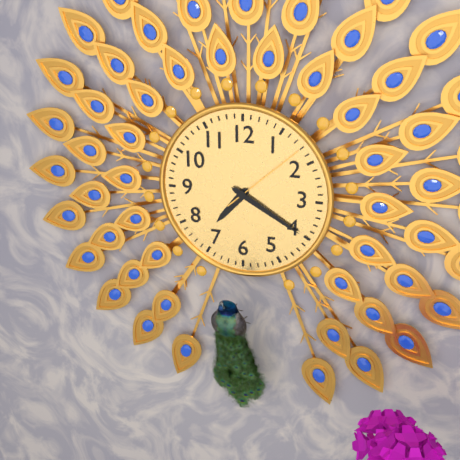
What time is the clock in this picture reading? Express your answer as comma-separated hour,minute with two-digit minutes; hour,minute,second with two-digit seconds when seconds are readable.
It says 7,20,08
